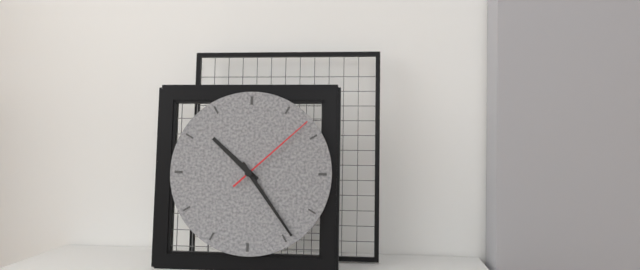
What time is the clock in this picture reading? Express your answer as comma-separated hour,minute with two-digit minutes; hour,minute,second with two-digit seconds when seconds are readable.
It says 10,24,08
